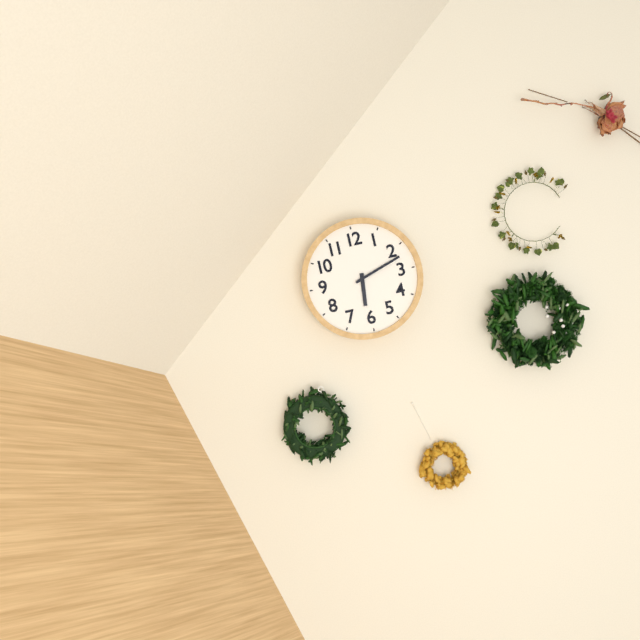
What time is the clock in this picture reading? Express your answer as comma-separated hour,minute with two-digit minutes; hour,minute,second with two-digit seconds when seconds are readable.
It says 6,12
